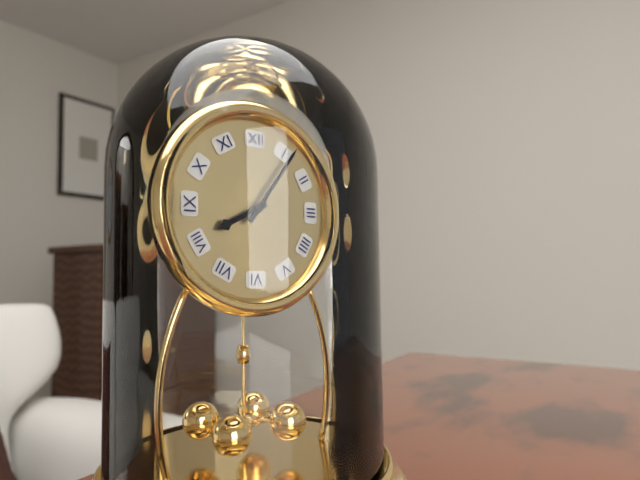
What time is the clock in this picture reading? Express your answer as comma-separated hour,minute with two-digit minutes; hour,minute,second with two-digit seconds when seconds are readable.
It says 8,06
